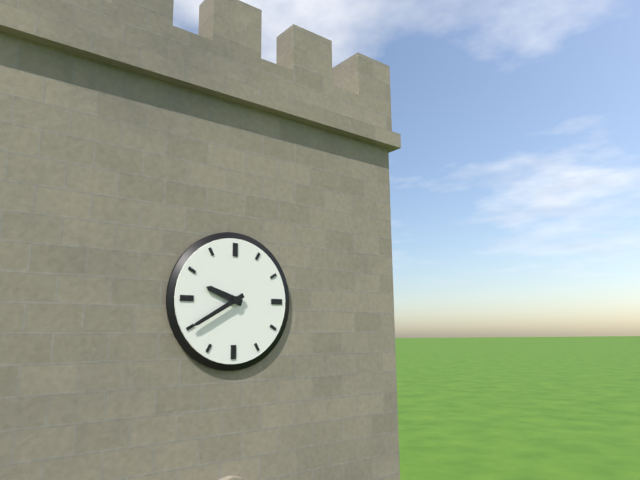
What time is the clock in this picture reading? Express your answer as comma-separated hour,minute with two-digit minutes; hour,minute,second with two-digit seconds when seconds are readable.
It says 9,40
